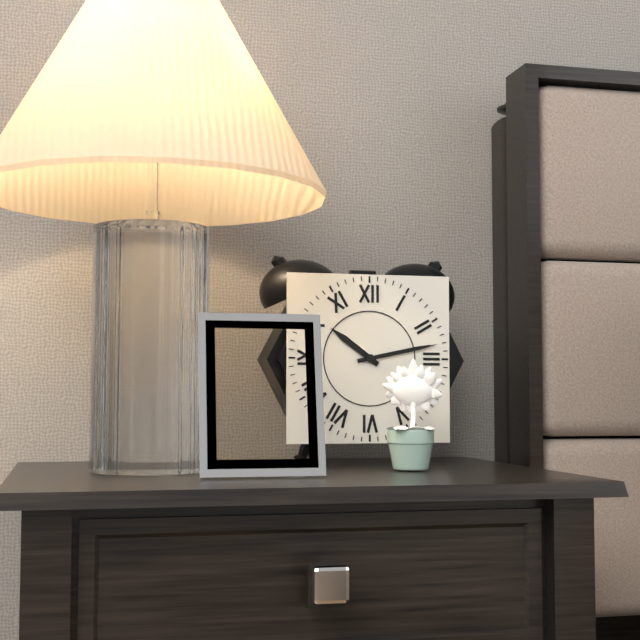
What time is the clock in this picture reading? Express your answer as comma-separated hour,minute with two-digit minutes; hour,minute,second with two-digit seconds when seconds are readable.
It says 10,13
